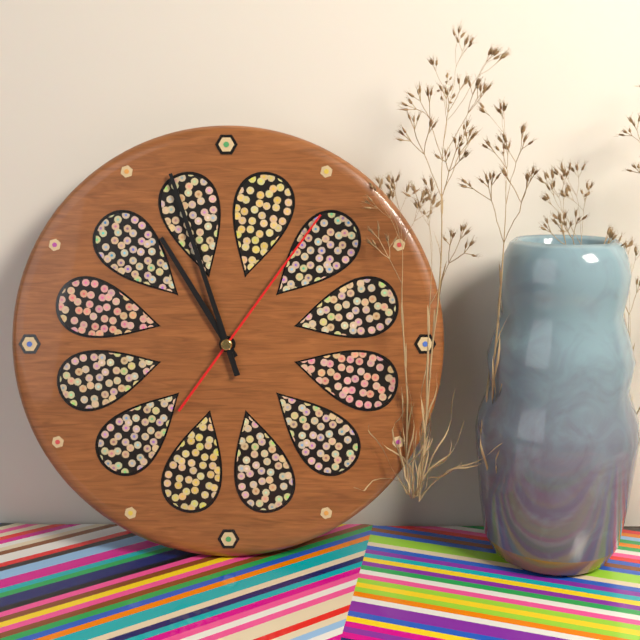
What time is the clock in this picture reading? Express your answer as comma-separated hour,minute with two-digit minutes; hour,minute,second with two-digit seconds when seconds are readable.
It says 10,57,06
